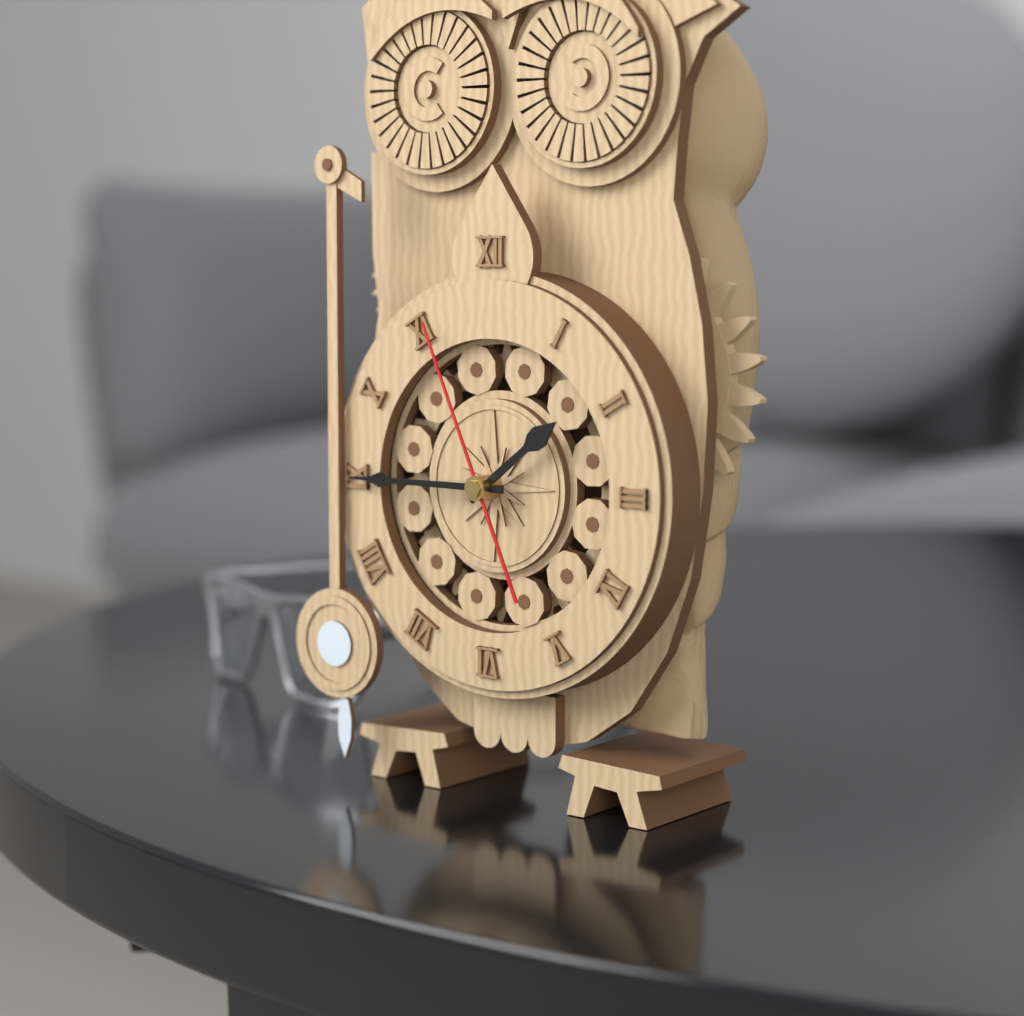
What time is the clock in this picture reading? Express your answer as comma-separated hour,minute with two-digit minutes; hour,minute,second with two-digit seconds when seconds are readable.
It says 1,45,56
